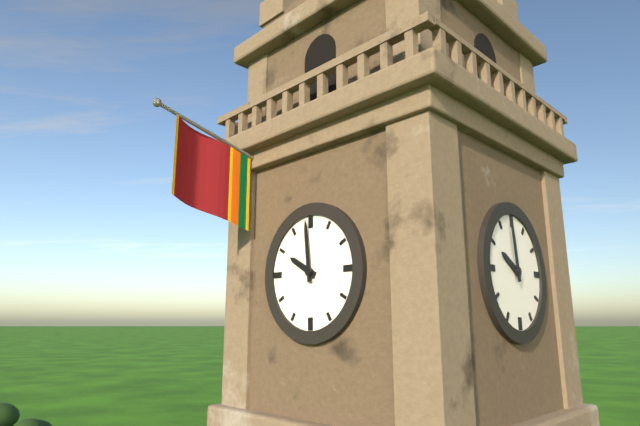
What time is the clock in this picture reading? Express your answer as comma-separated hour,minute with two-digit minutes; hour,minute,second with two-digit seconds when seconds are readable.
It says 9,59
